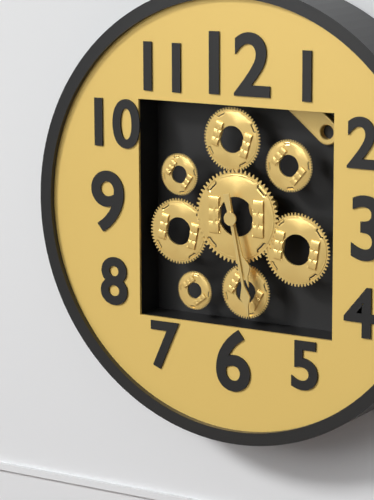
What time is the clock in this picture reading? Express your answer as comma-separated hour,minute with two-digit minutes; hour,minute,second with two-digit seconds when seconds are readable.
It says 5,28
